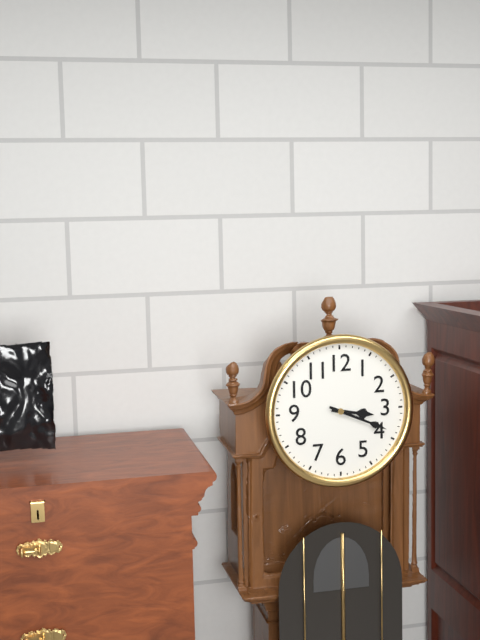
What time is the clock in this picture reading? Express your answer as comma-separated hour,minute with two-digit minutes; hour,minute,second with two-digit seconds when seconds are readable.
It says 3,19
